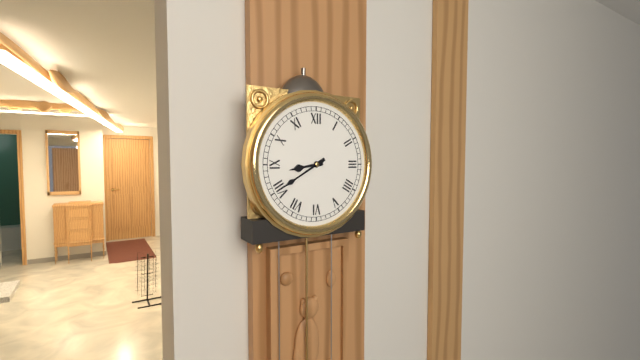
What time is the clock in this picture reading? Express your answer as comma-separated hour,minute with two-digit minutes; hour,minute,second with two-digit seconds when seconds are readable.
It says 8,40
